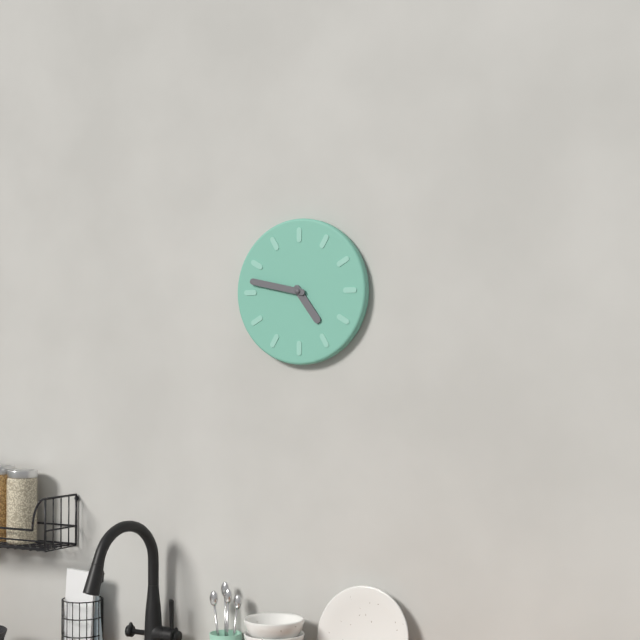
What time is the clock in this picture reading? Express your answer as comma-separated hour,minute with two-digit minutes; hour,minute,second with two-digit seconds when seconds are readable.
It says 4,47
